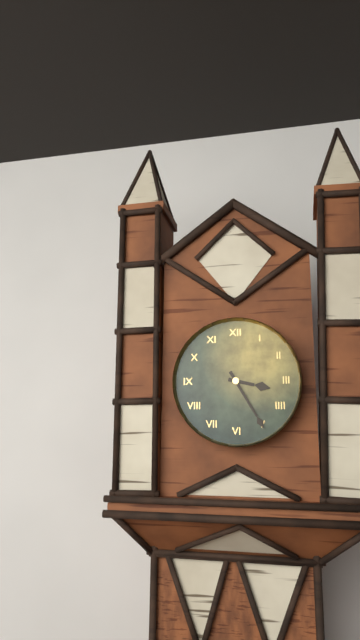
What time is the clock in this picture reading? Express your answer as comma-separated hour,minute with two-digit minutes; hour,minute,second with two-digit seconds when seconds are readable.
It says 3,25
